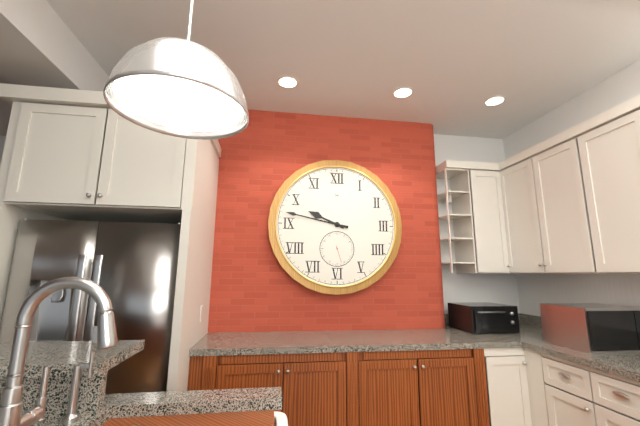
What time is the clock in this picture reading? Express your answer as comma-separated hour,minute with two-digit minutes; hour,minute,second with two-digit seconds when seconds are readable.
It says 9,47
